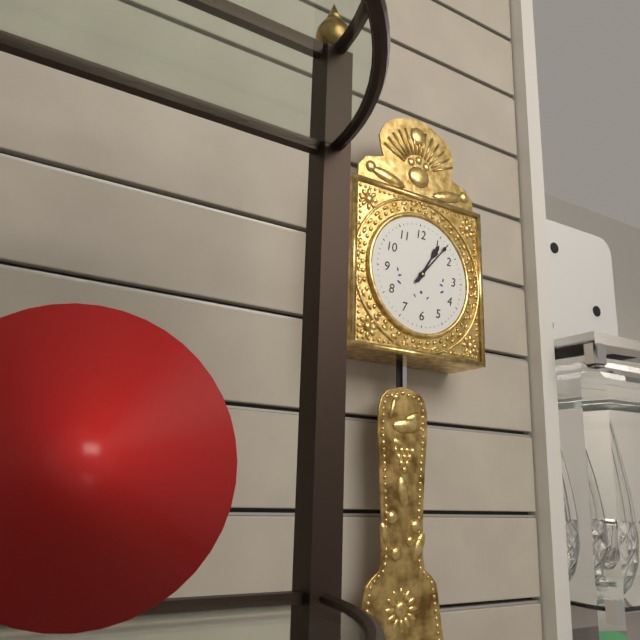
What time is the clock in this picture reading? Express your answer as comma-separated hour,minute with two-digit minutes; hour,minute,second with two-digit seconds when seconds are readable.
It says 1,07
